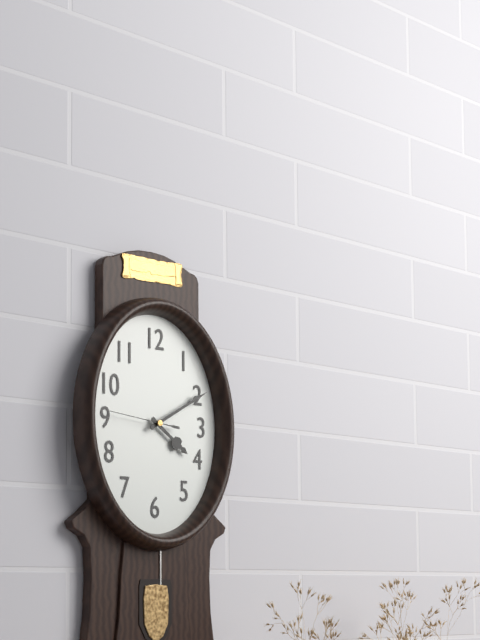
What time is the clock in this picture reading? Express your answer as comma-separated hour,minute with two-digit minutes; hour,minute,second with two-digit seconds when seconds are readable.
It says 4,10,46
